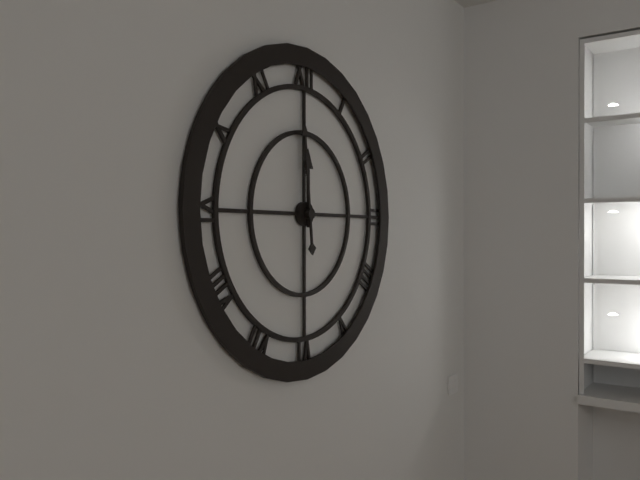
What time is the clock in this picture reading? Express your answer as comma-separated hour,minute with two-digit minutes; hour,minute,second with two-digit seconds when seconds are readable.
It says 11,59
